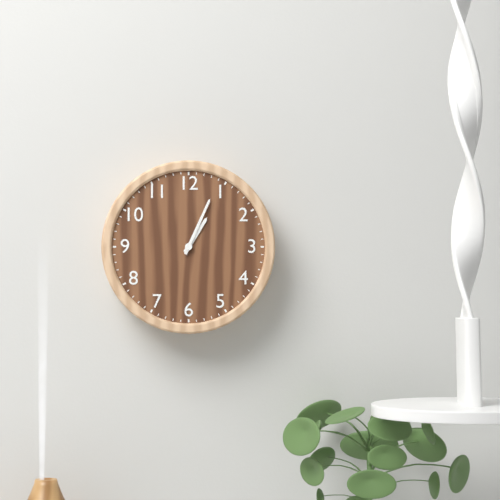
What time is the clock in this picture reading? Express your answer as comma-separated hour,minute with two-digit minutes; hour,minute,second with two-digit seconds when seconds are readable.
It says 1,04
